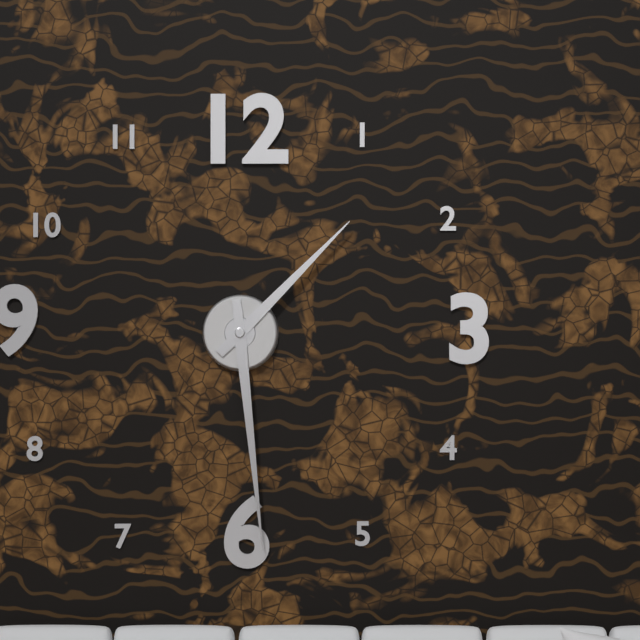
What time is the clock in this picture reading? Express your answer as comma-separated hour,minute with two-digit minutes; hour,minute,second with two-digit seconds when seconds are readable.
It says 1,29
